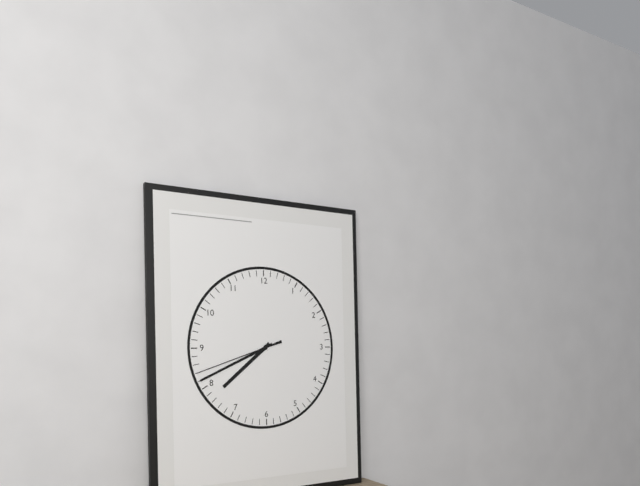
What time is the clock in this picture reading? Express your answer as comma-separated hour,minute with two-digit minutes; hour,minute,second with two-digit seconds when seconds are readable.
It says 7,41,42
